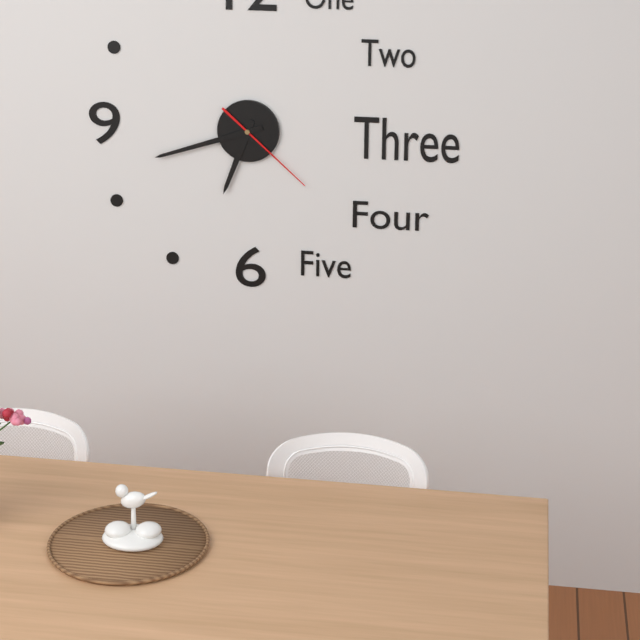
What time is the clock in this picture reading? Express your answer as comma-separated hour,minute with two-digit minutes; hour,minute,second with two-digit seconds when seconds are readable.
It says 6,42,22
